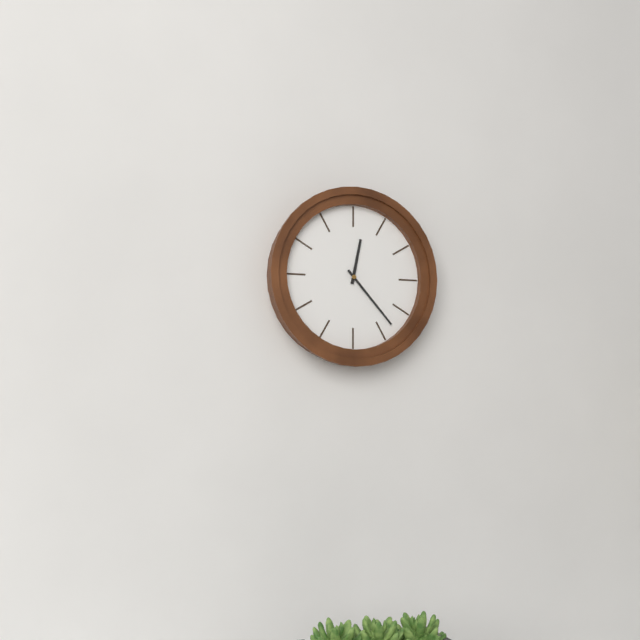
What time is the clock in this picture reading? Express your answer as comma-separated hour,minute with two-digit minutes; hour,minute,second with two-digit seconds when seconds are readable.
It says 12,23
